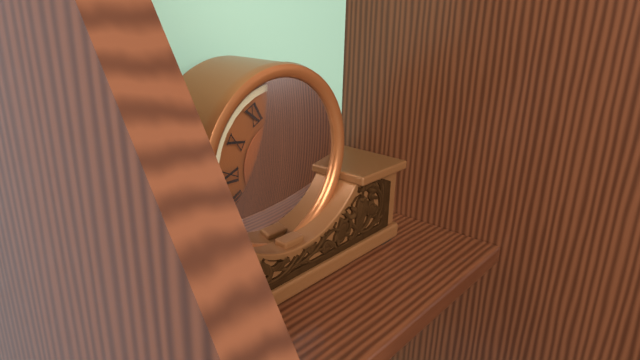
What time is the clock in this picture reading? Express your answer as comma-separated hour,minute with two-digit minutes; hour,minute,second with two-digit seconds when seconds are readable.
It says 7,23
